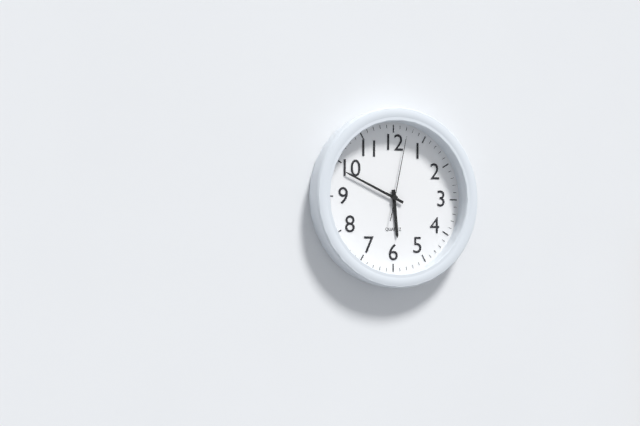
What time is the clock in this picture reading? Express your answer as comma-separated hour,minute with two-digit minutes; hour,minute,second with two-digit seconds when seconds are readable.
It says 5,49,02
